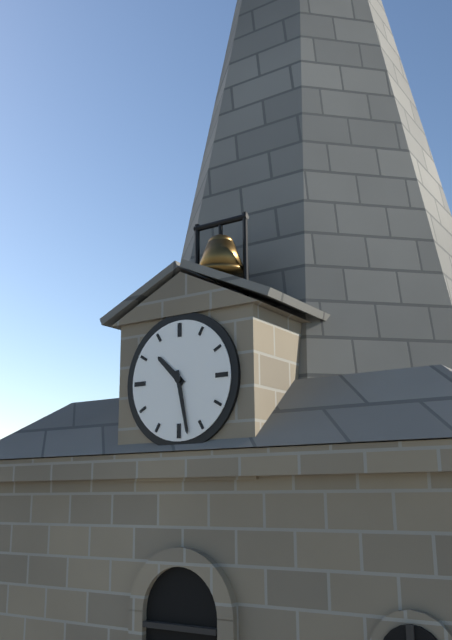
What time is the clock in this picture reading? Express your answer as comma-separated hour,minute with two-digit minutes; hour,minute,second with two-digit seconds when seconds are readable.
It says 10,28
